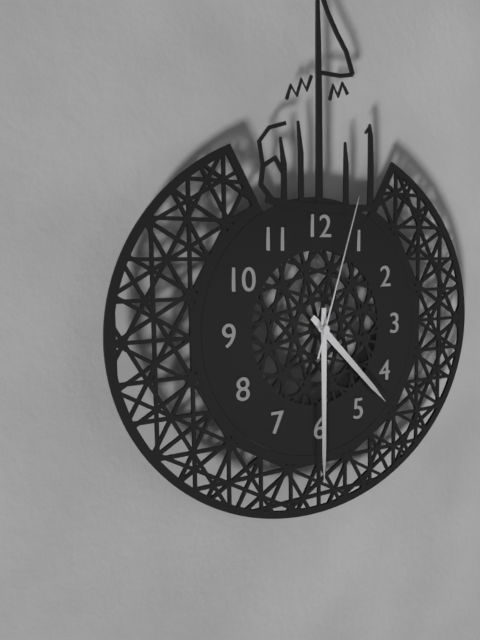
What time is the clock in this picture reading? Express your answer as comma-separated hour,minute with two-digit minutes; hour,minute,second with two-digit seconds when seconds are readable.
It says 4,30,03
